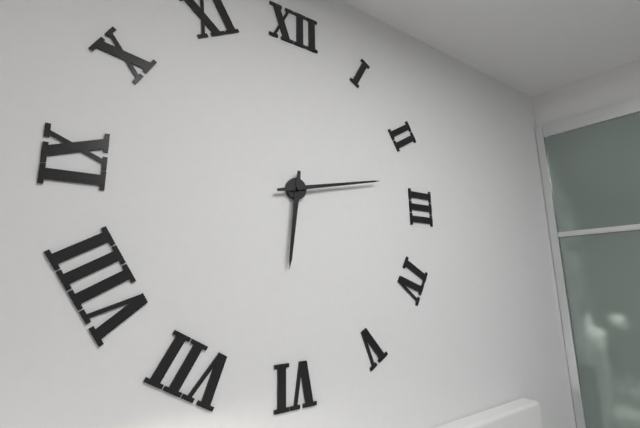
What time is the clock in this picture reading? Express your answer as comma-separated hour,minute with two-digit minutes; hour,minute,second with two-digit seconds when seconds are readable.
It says 6,13
